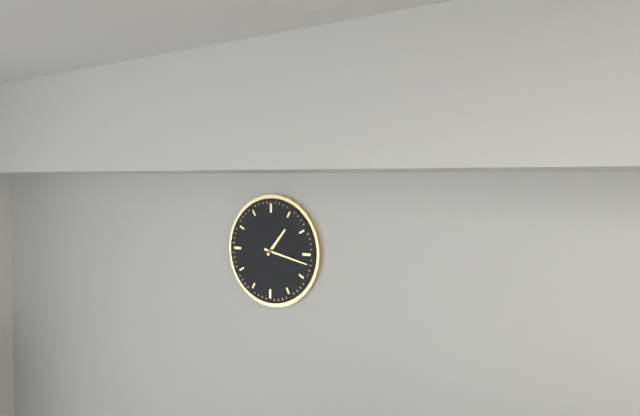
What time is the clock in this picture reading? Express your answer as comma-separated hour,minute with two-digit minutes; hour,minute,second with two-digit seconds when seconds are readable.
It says 1,17
